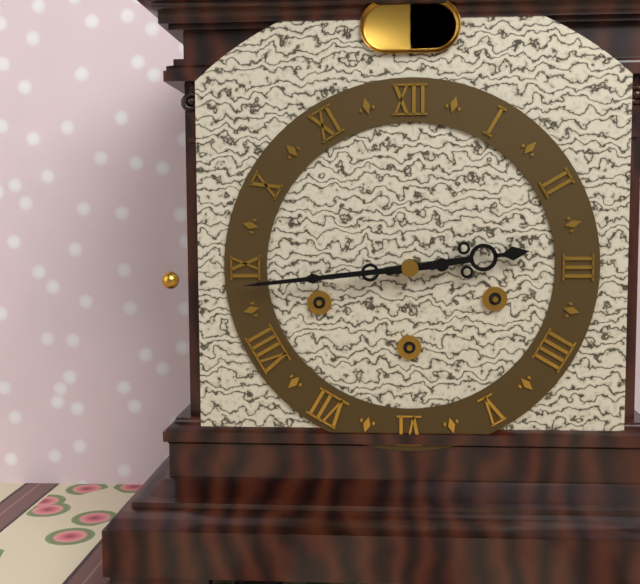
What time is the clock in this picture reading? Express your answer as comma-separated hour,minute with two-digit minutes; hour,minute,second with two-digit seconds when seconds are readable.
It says 2,44
